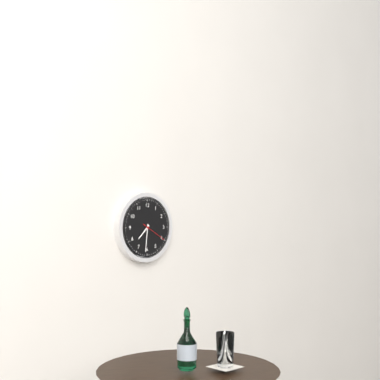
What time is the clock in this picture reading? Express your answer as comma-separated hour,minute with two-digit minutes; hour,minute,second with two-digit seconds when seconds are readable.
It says 7,31
